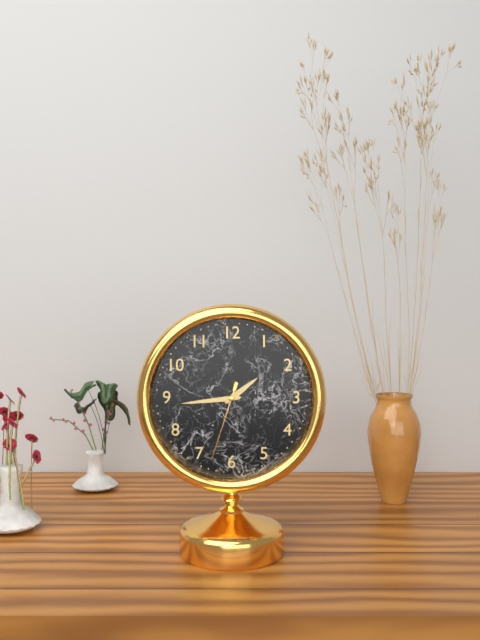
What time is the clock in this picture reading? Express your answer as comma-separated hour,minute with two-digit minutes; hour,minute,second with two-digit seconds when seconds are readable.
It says 1,44,33
